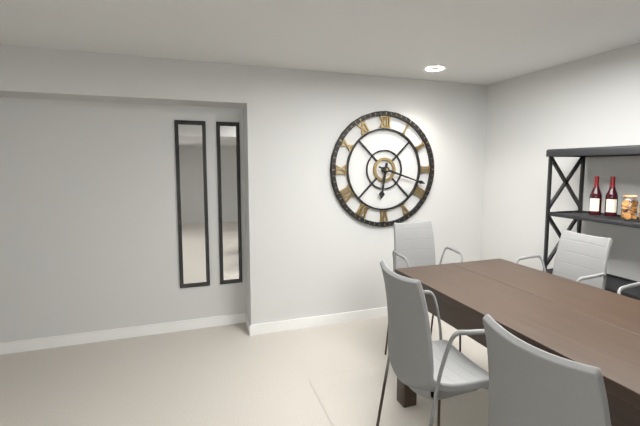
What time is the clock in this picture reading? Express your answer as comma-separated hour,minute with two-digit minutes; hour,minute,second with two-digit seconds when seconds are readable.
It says 6,18
